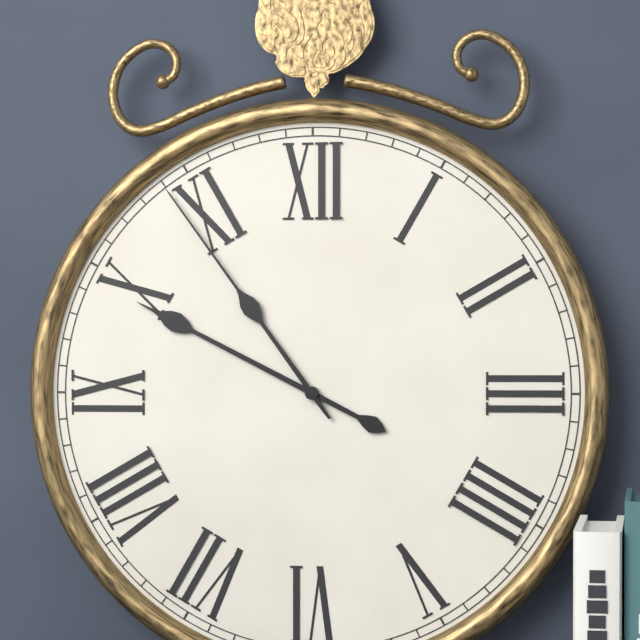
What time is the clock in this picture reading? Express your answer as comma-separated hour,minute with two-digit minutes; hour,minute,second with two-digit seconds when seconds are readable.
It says 9,54
